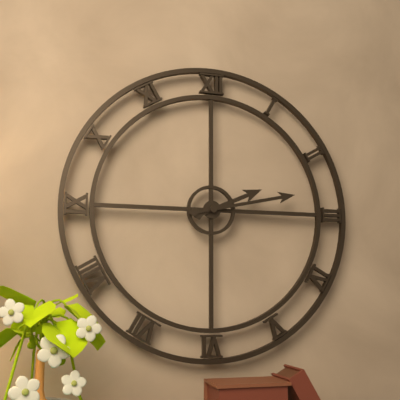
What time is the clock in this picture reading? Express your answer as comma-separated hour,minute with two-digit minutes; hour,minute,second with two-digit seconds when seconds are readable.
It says 2,13
